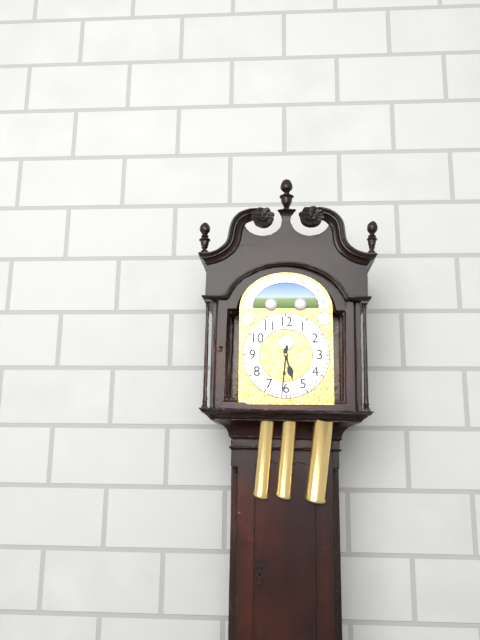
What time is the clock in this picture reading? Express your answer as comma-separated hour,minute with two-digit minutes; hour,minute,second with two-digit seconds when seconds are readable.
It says 5,31
